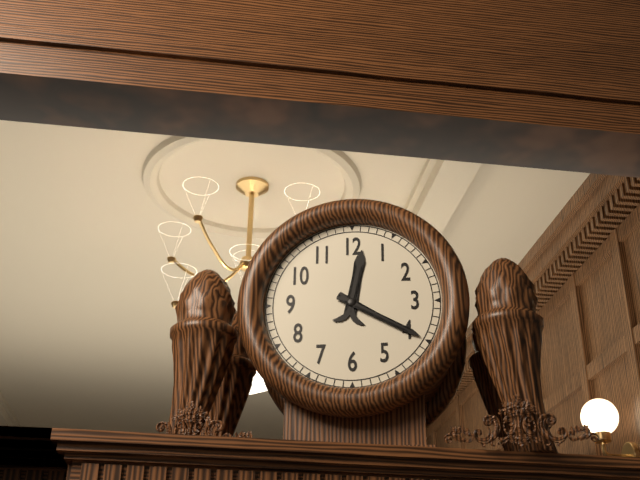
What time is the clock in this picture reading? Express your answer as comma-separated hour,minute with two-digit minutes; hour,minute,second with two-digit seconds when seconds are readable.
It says 12,20
